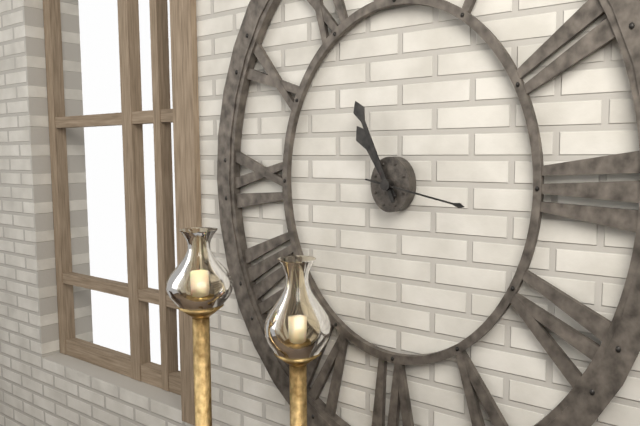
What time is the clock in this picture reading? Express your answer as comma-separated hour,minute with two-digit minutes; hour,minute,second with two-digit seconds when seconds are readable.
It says 10,56,17
